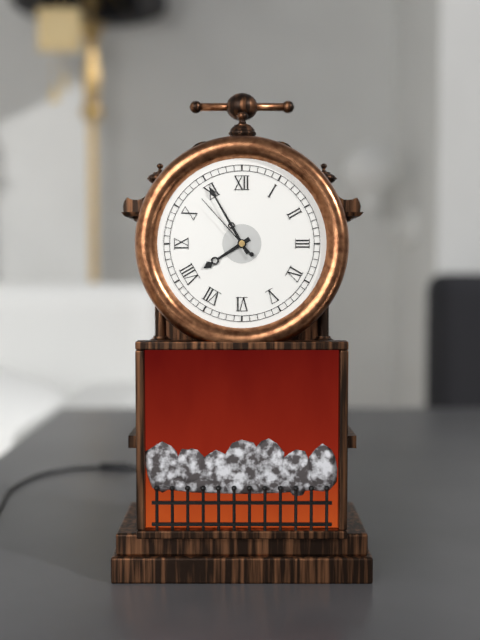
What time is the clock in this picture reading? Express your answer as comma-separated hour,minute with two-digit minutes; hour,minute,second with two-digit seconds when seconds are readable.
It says 7,55,53
